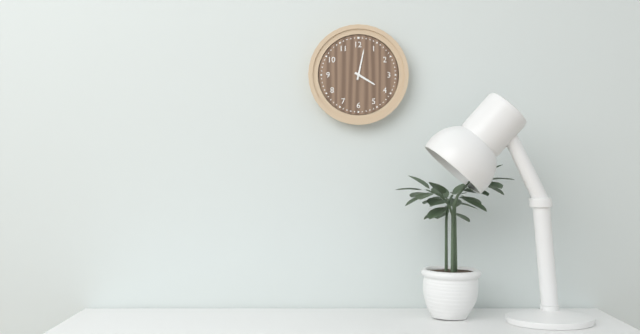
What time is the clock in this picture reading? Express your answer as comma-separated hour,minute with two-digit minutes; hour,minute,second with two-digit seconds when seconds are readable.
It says 4,02
